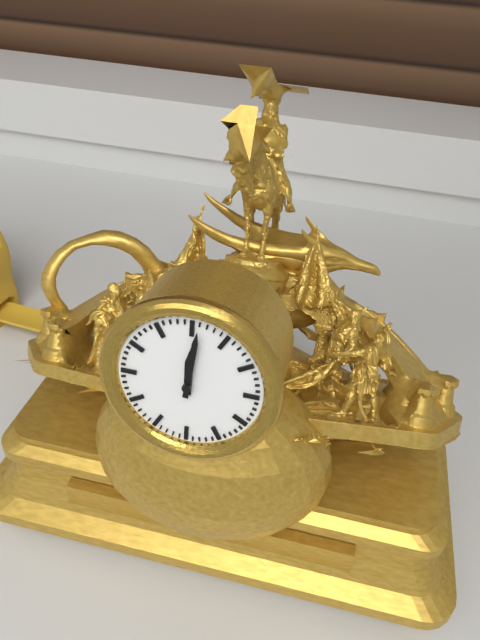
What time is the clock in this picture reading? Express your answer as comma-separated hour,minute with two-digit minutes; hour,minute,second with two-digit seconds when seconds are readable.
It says 12,01
